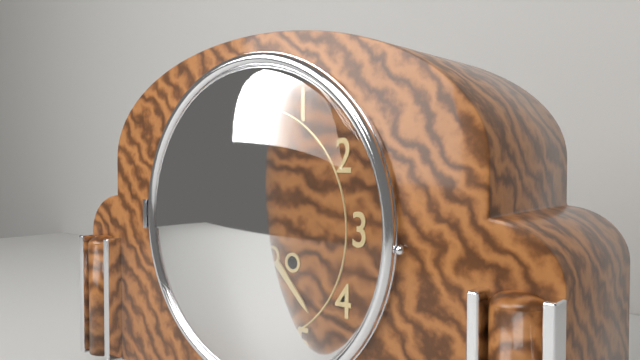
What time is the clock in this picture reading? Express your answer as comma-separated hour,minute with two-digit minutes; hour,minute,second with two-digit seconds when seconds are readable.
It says 4,34
